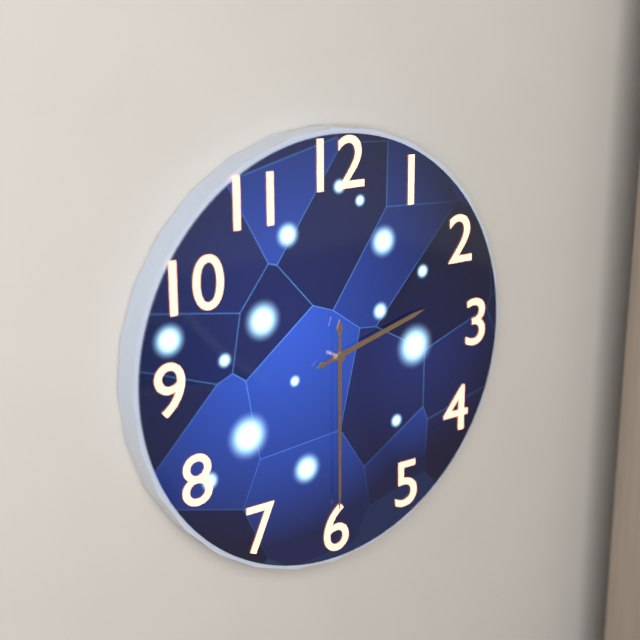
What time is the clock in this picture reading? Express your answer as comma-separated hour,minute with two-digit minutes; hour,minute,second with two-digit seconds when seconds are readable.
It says 2,30
